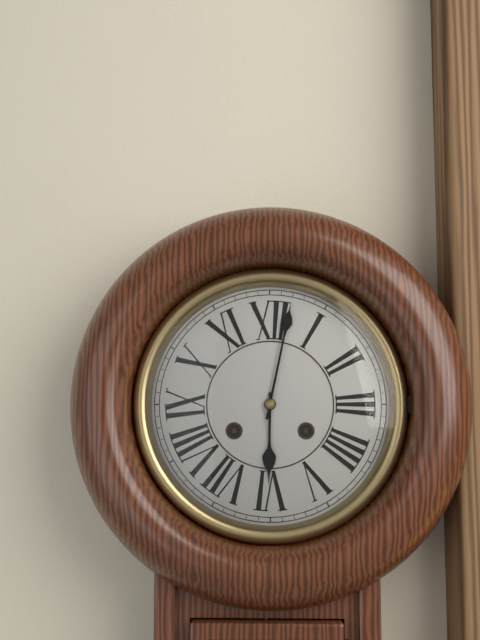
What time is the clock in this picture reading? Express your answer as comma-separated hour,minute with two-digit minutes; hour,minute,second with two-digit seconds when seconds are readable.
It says 6,02
